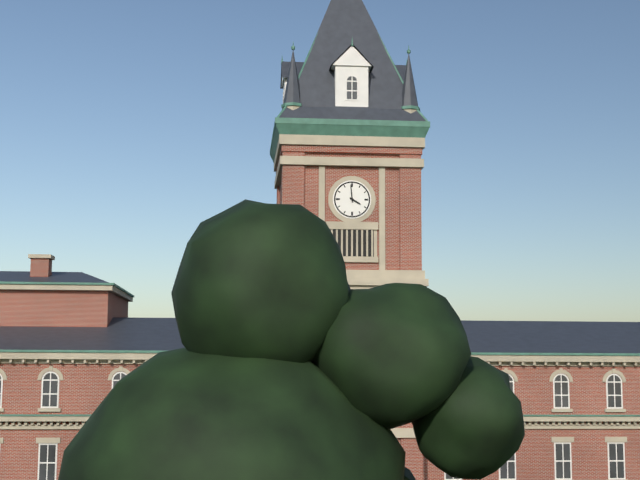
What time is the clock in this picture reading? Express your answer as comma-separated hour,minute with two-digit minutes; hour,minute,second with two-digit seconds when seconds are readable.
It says 3,59
